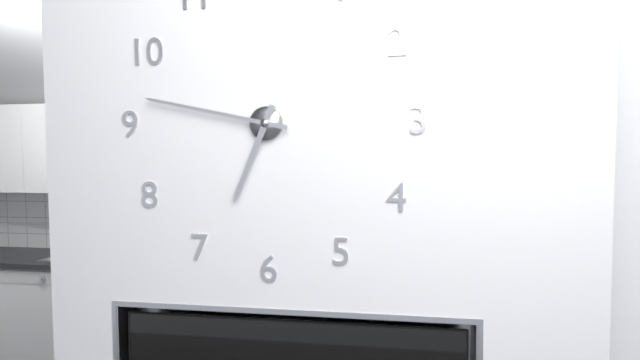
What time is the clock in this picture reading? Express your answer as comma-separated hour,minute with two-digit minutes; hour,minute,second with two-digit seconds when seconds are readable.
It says 6,47
